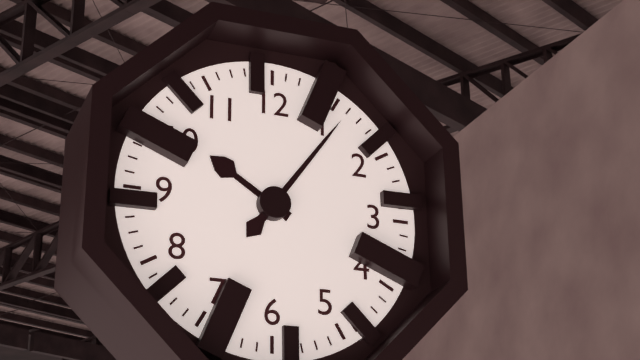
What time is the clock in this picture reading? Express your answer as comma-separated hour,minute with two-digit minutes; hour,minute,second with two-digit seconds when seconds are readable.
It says 10,06
